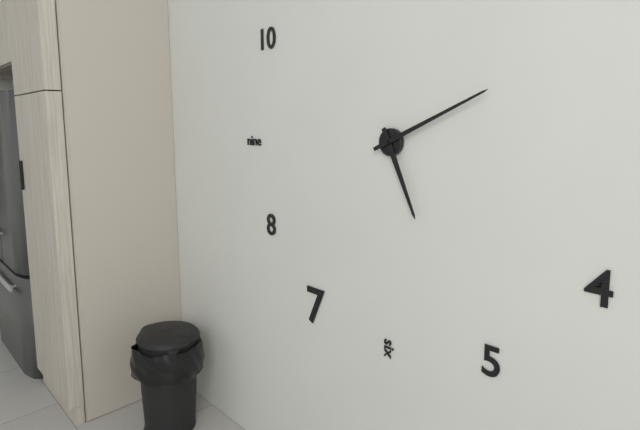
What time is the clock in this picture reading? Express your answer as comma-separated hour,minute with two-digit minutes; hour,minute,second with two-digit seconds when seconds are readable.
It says 5,11
